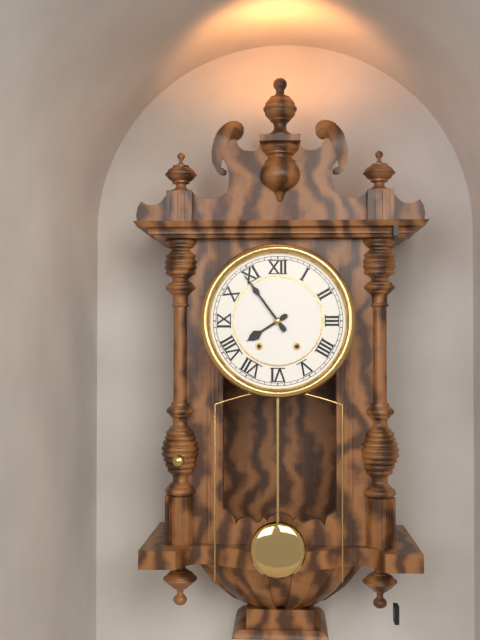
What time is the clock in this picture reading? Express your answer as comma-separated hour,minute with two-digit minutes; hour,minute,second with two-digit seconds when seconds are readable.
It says 7,54
